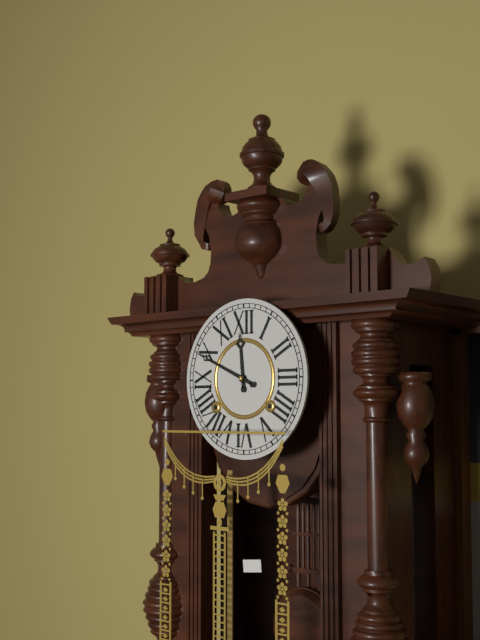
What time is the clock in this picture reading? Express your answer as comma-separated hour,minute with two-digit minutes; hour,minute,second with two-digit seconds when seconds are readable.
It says 11,49
